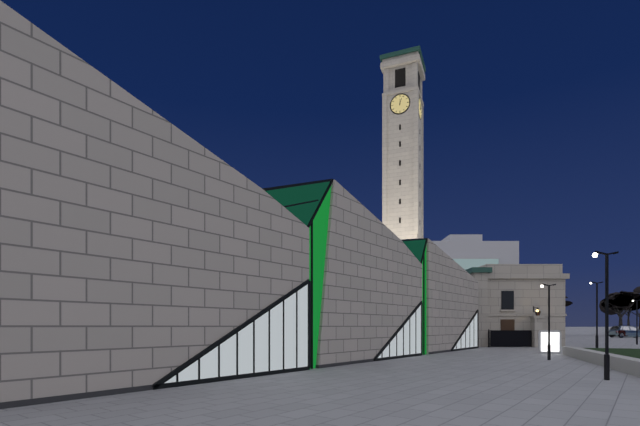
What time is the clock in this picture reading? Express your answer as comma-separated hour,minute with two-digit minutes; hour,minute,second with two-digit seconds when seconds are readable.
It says 12,03
